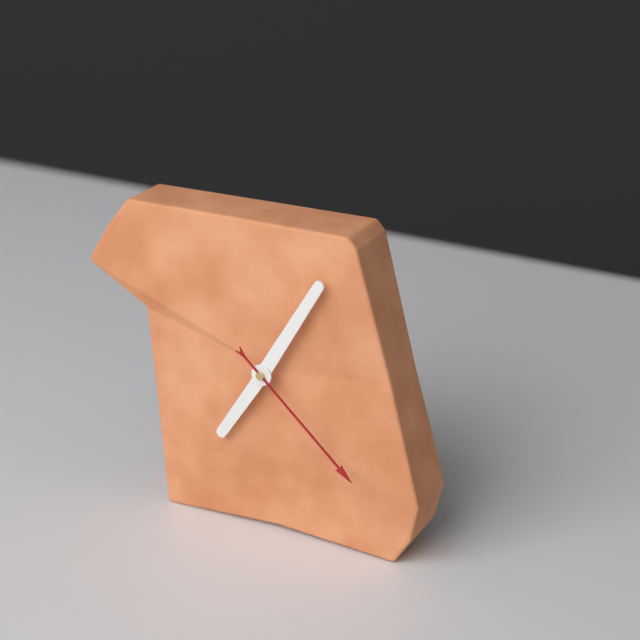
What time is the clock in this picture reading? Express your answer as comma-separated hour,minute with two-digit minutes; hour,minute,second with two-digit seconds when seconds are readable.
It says 7,05,22
